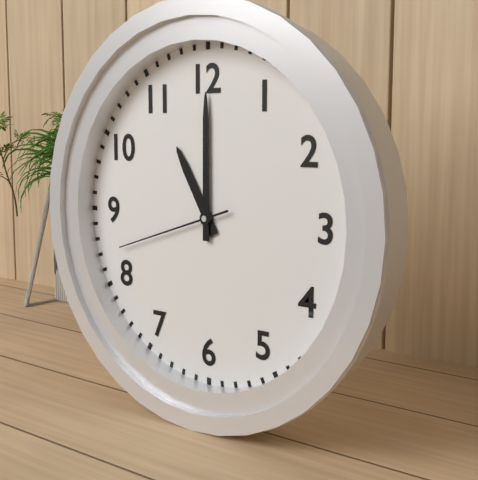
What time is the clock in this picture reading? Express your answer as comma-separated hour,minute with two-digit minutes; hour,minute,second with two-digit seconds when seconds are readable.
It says 11,00,42
